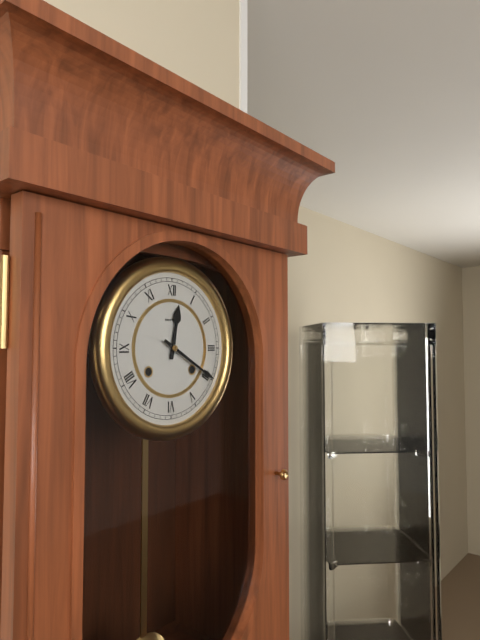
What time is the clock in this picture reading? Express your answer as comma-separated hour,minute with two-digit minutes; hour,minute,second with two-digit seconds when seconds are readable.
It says 12,20
